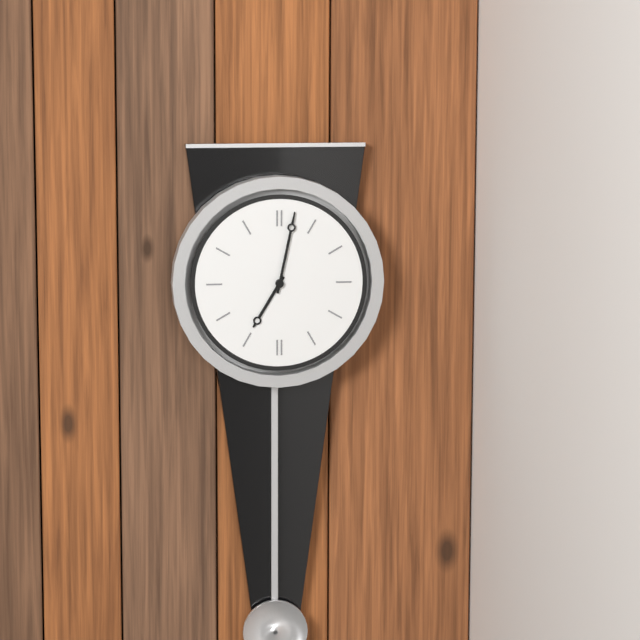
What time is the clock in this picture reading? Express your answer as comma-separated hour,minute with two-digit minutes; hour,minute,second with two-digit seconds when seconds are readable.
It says 7,02
